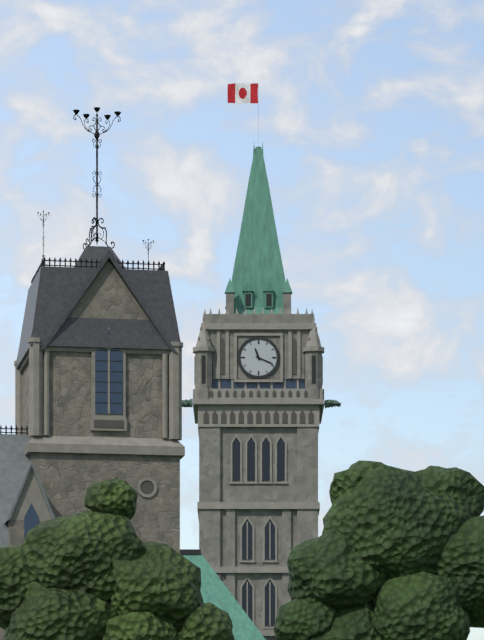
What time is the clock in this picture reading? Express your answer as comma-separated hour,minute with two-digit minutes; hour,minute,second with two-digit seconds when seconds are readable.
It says 11,19
